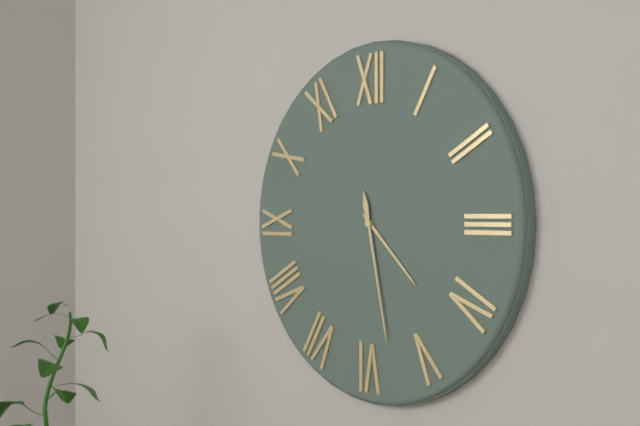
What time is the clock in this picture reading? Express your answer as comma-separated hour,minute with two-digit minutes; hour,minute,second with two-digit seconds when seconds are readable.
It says 4,28
